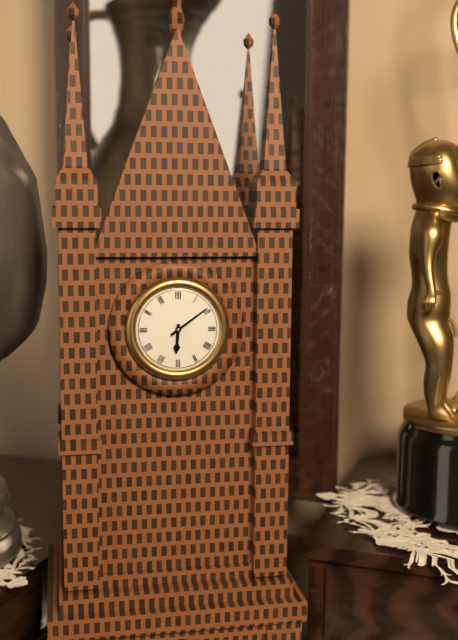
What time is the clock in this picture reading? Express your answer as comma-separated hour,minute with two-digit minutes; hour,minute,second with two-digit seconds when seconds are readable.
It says 6,09
